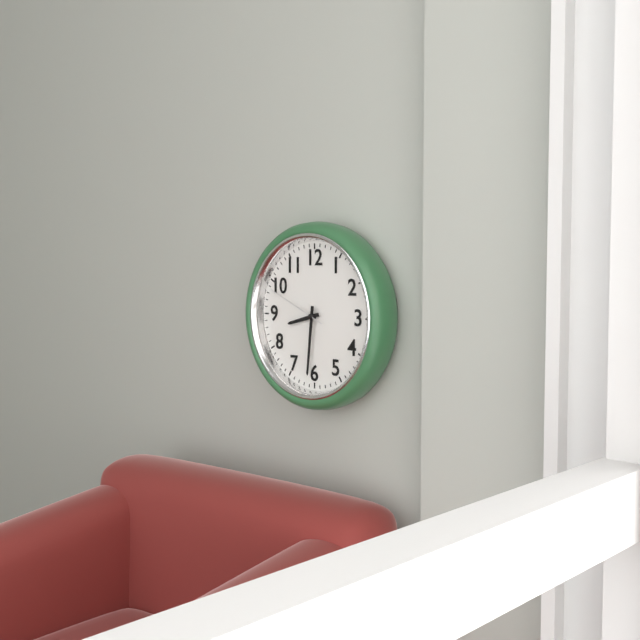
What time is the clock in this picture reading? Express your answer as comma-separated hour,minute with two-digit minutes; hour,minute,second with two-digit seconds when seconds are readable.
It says 8,31,49
